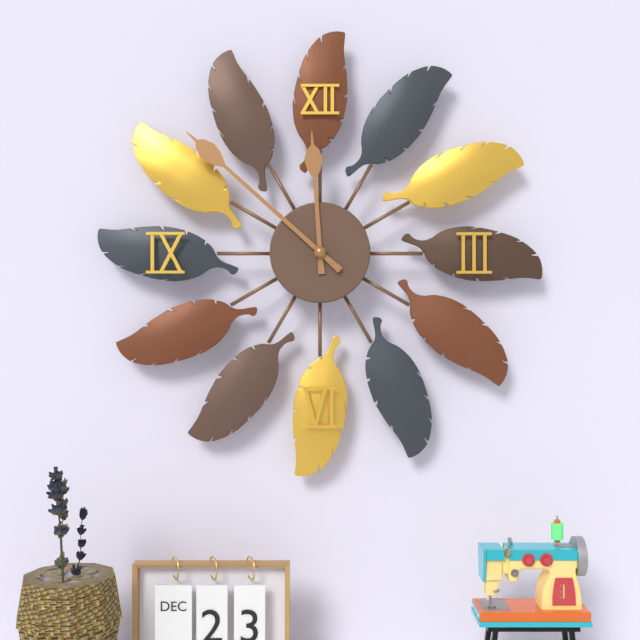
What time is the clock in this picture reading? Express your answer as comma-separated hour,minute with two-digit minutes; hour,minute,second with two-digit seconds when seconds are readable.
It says 11,52
